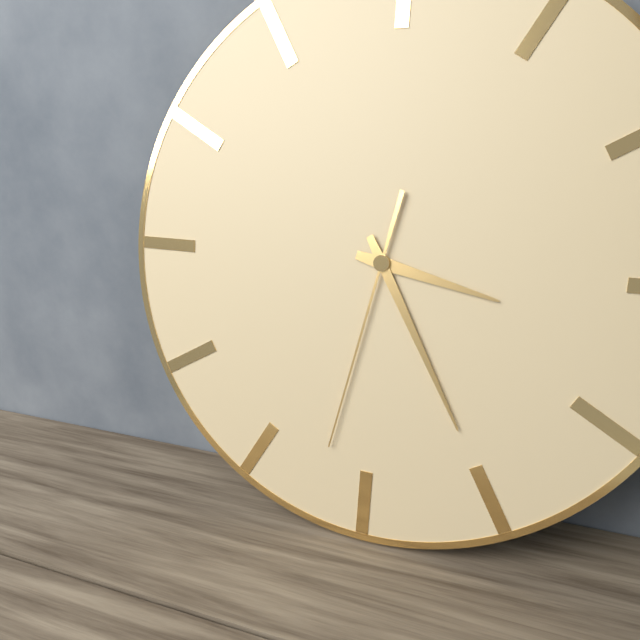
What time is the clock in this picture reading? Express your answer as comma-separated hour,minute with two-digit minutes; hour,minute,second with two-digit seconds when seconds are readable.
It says 3,25,32
